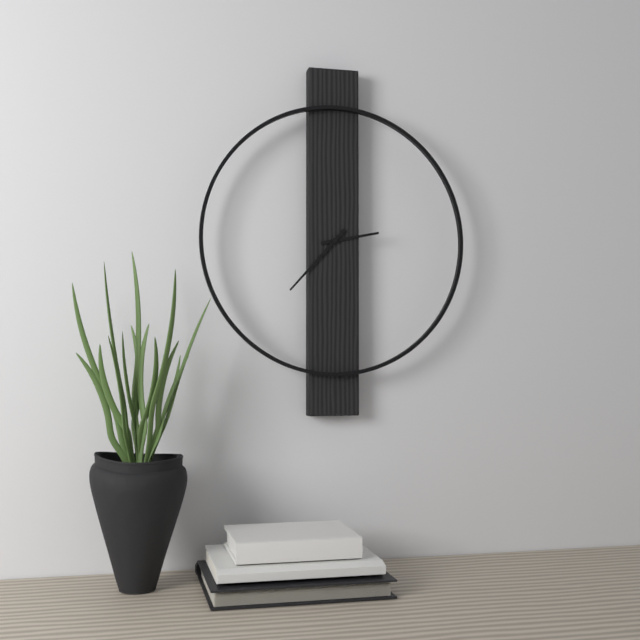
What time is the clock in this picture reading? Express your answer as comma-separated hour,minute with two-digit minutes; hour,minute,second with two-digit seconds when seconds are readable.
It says 2,37
